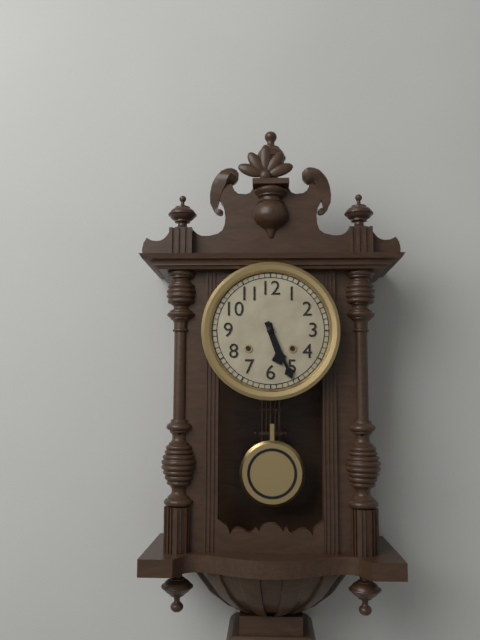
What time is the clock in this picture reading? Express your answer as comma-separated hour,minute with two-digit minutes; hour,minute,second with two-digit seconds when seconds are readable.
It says 5,26
